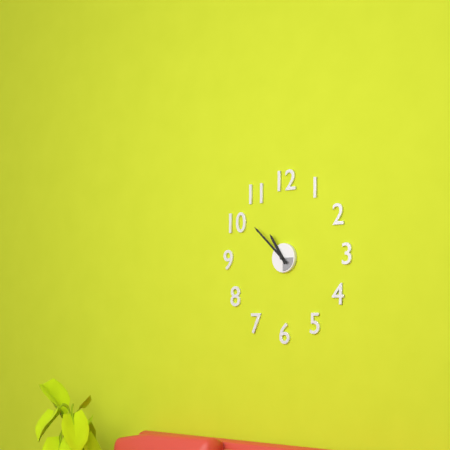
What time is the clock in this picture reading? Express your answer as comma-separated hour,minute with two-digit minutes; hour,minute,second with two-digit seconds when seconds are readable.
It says 10,52
